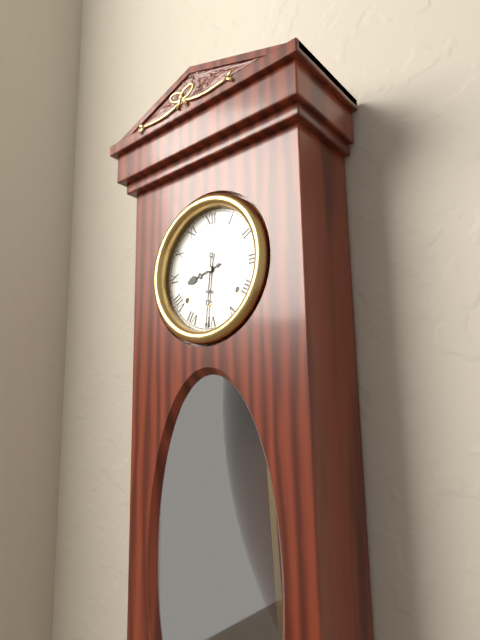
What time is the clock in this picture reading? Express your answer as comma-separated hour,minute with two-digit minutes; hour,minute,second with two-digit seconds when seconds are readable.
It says 8,31
